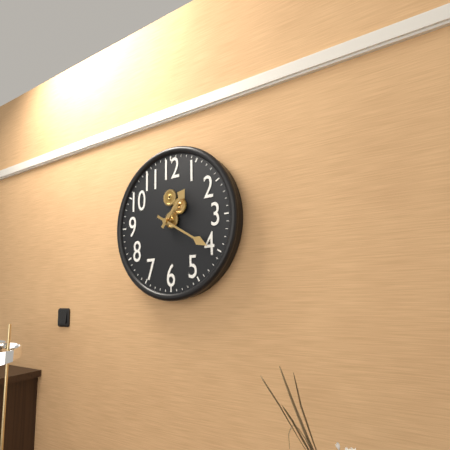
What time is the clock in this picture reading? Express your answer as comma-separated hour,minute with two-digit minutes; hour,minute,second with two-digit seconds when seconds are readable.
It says 1,20
